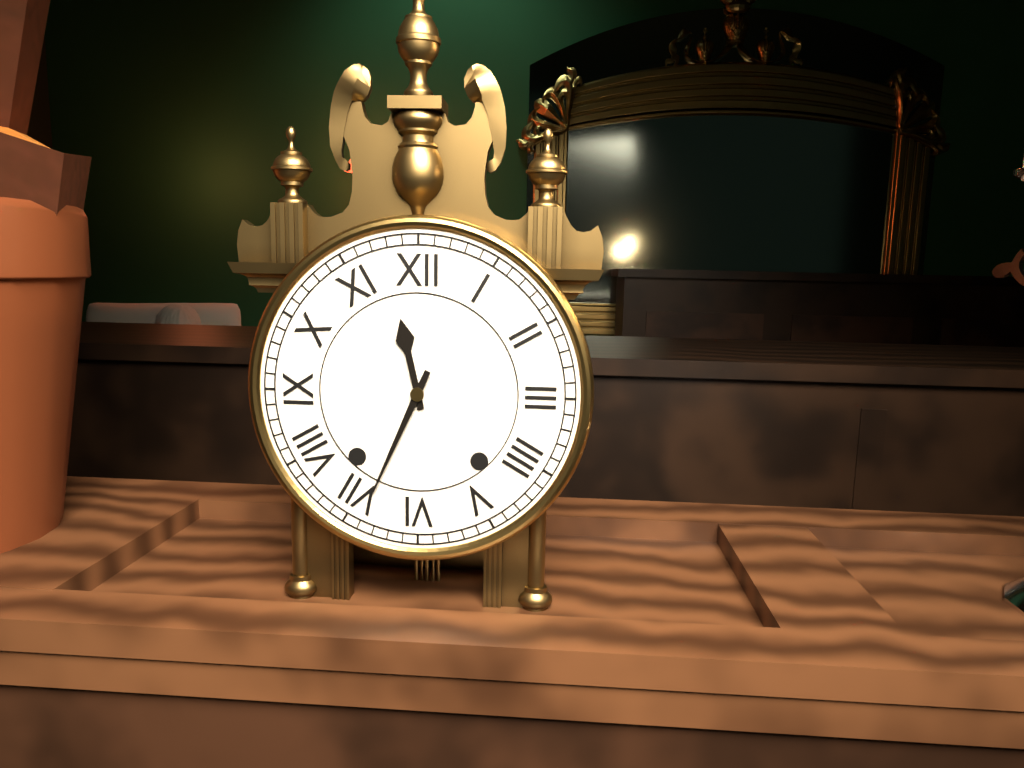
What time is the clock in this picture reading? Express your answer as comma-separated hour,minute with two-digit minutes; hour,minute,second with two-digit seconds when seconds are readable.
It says 11,34
